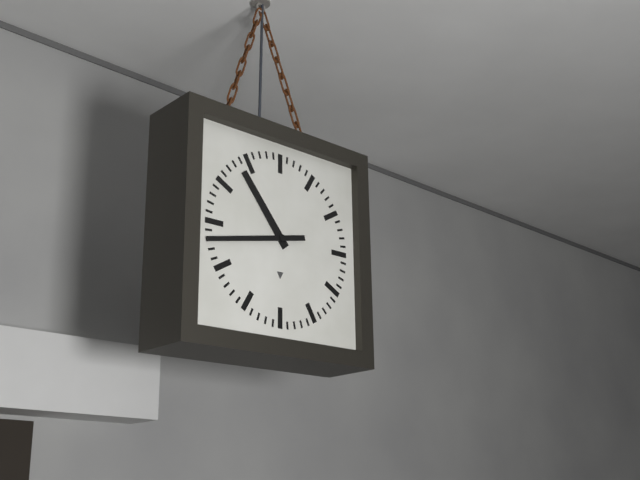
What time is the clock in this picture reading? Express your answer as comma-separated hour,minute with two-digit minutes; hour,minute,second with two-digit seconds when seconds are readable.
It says 10,43
